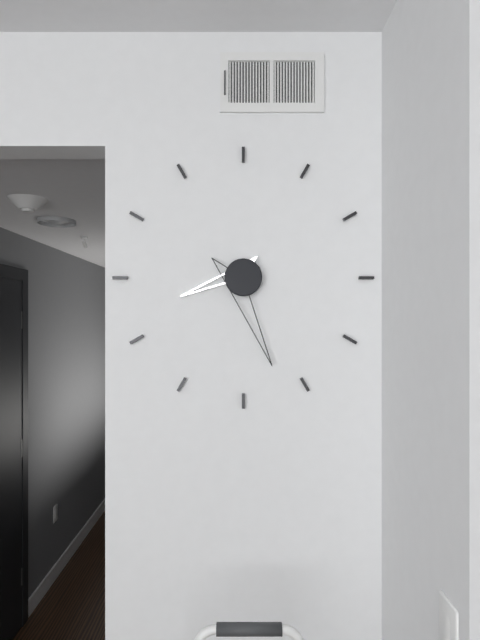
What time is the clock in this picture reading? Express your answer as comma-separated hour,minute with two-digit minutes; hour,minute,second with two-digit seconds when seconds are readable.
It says 8,27
